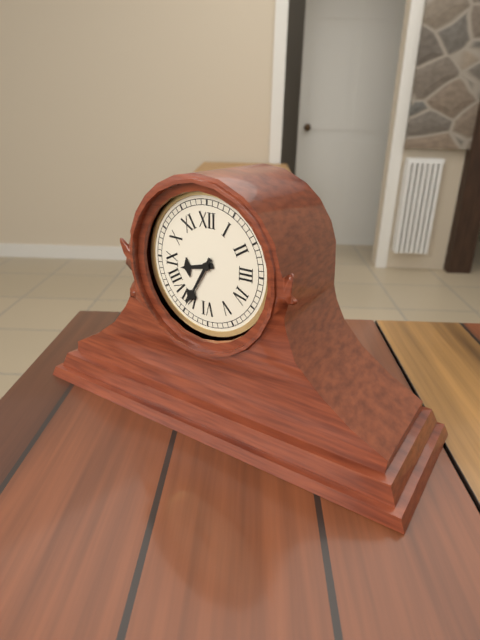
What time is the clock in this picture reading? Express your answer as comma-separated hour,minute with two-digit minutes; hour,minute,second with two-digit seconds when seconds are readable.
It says 8,35
